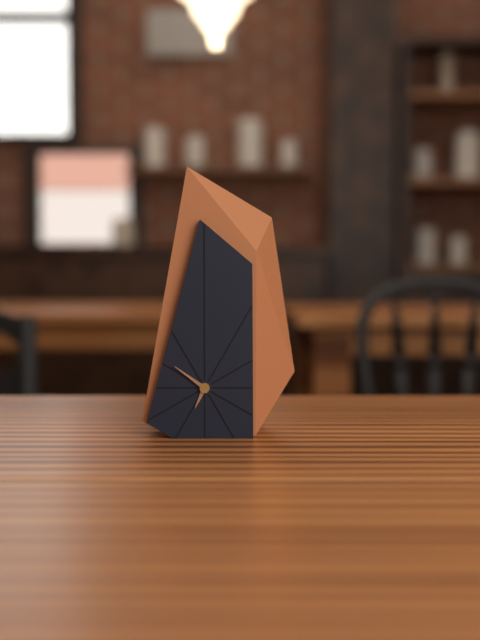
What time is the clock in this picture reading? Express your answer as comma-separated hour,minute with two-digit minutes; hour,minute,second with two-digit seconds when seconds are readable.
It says 6,51
